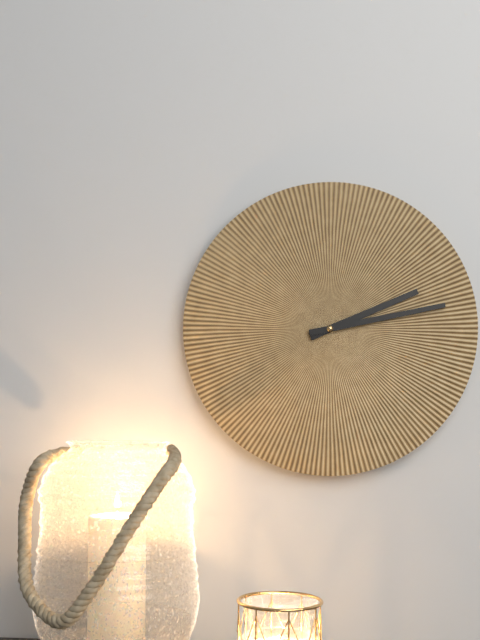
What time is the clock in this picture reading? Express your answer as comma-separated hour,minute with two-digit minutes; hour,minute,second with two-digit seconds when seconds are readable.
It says 2,13
